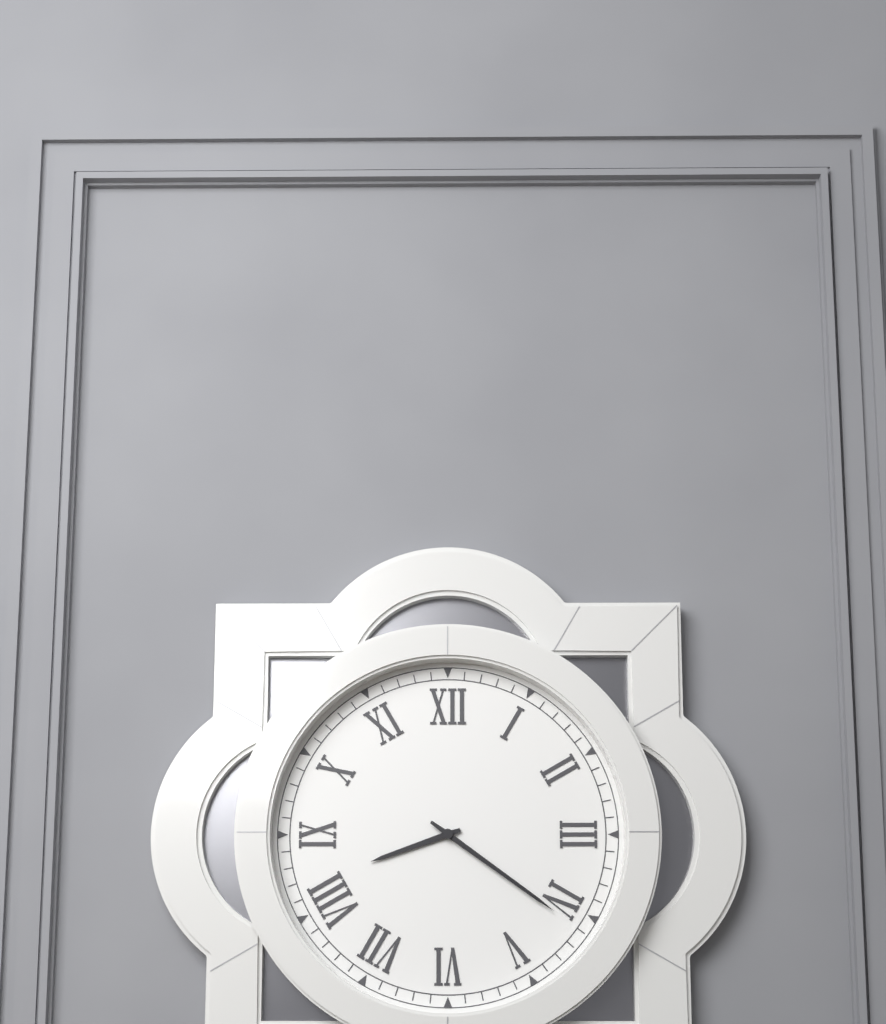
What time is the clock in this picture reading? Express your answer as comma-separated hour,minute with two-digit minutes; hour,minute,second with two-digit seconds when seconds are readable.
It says 8,21
